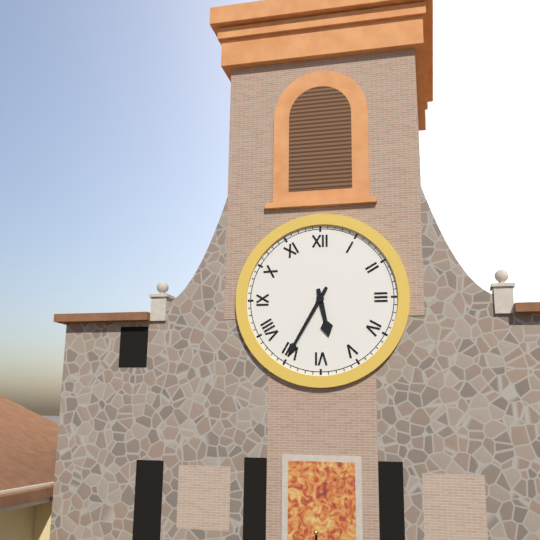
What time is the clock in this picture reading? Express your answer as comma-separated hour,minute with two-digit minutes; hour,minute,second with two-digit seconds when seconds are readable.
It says 5,35
